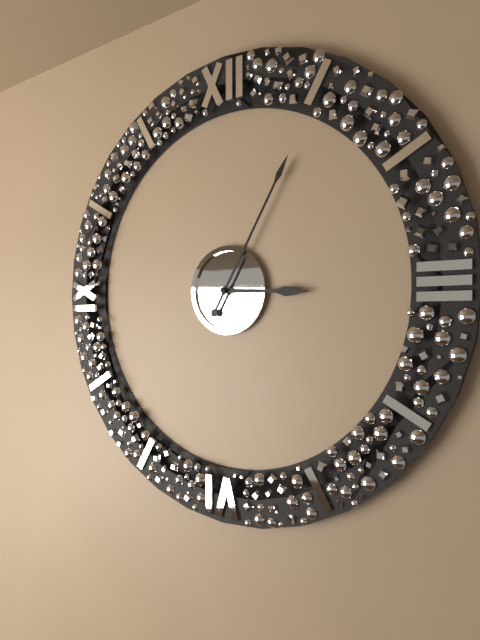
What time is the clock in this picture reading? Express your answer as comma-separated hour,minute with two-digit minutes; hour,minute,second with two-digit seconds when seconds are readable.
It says 3,05
